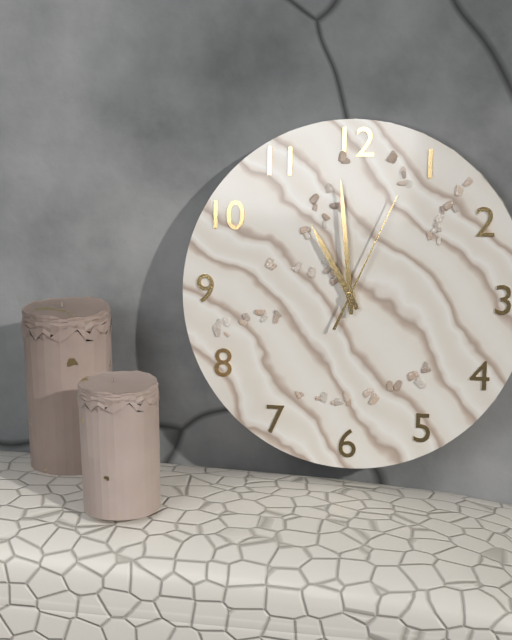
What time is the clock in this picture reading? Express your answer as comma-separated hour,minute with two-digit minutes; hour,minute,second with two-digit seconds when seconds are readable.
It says 10,59,04
